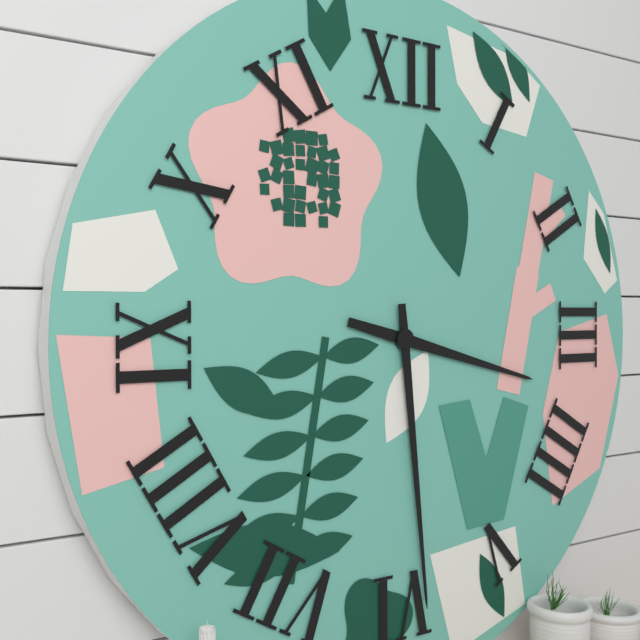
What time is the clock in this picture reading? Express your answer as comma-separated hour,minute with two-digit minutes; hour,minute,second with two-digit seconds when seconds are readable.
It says 3,29
